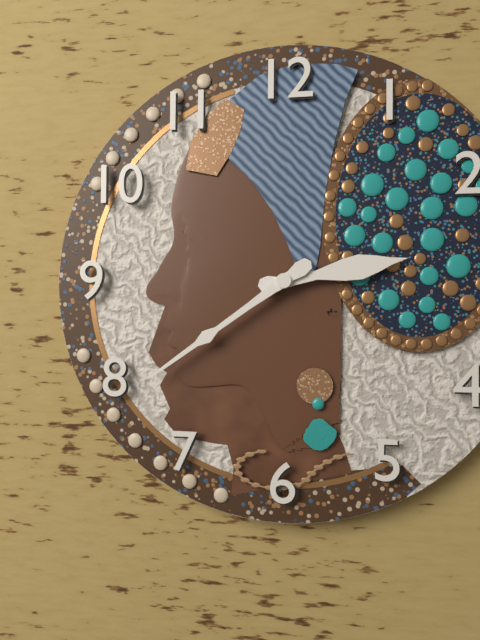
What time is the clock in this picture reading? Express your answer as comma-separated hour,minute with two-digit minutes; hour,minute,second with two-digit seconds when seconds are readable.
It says 2,39
